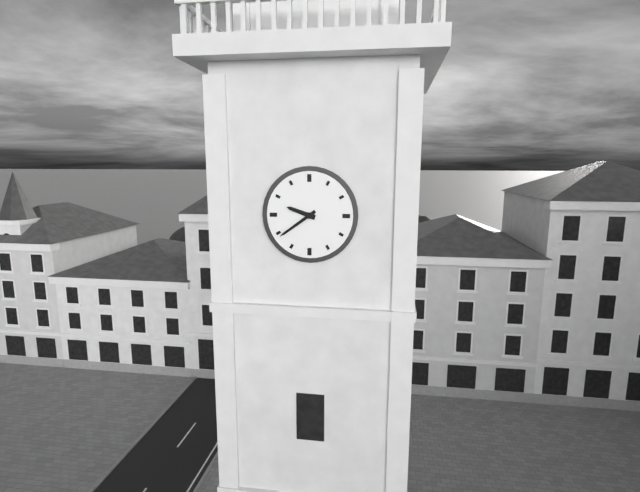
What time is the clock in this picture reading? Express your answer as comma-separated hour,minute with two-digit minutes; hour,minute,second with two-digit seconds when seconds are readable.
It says 9,39
